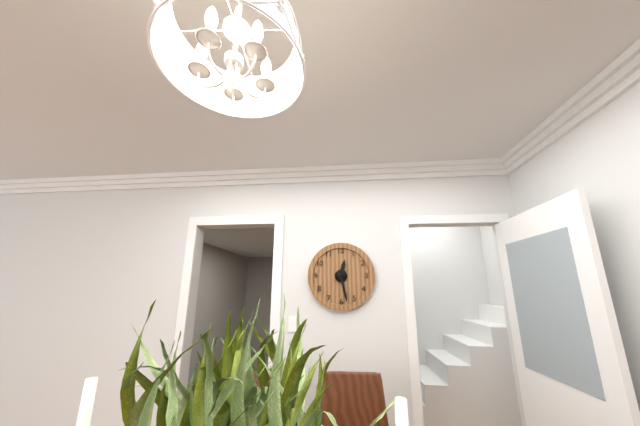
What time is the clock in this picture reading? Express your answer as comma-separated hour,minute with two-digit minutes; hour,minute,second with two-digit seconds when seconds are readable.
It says 12,28
